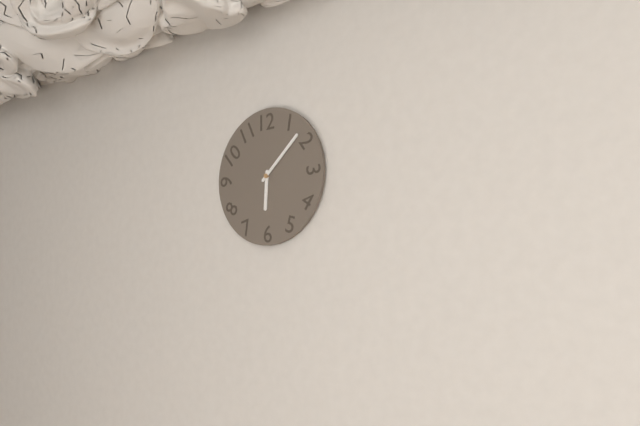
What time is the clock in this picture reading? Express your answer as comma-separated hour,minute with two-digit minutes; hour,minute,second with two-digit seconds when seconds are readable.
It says 6,08
